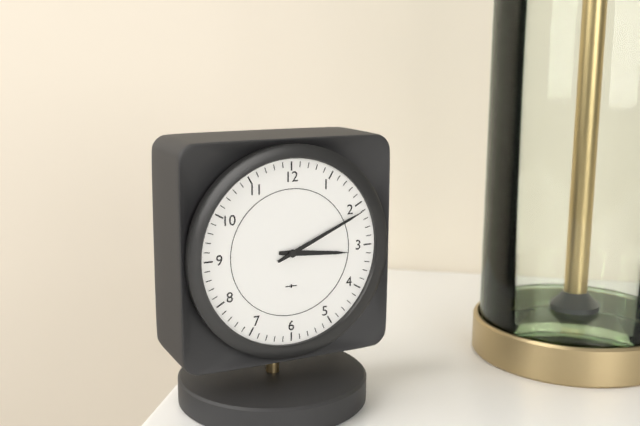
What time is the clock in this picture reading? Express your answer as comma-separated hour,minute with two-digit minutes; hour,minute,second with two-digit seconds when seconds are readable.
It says 3,11
